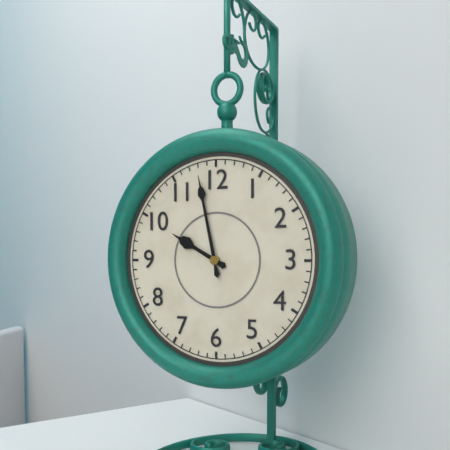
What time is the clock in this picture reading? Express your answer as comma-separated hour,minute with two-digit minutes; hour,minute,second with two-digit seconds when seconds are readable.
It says 9,58
